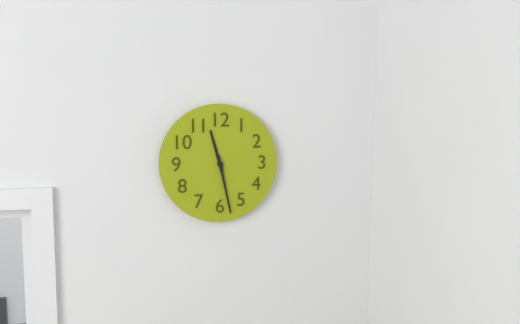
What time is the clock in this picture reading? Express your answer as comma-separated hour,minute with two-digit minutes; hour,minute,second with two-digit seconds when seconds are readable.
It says 11,28
